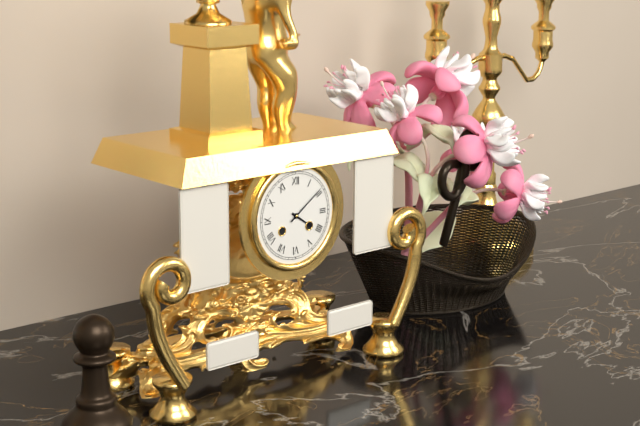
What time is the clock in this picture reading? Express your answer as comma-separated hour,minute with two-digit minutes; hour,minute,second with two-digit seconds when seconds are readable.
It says 4,09
